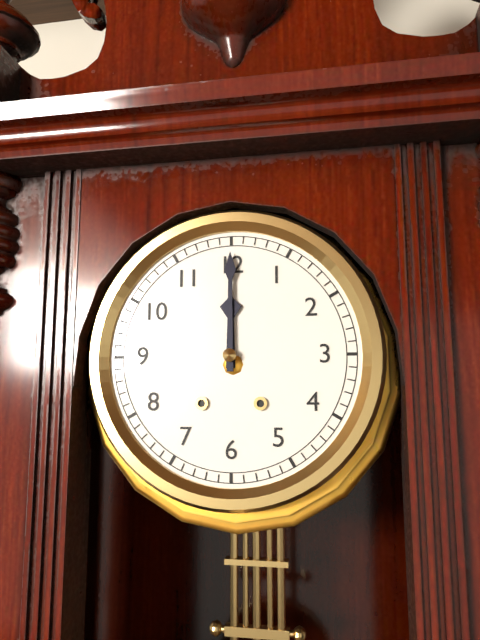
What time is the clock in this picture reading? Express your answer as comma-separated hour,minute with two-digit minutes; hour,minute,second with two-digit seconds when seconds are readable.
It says 12,00
